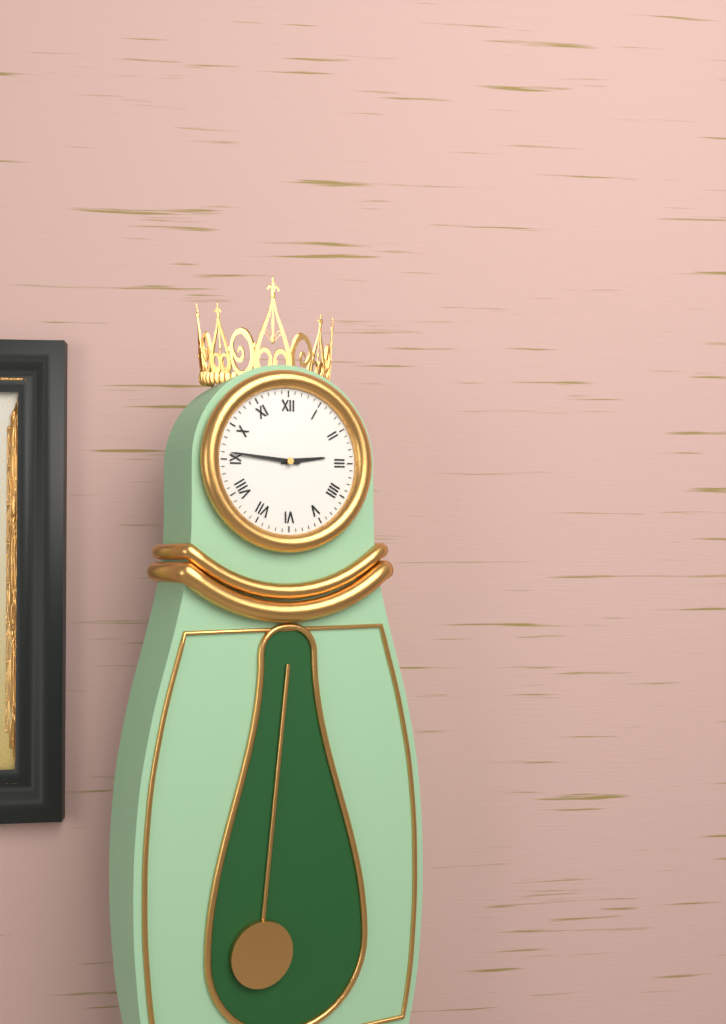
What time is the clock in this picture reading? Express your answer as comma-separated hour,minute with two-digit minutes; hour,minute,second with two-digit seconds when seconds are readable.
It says 2,46
